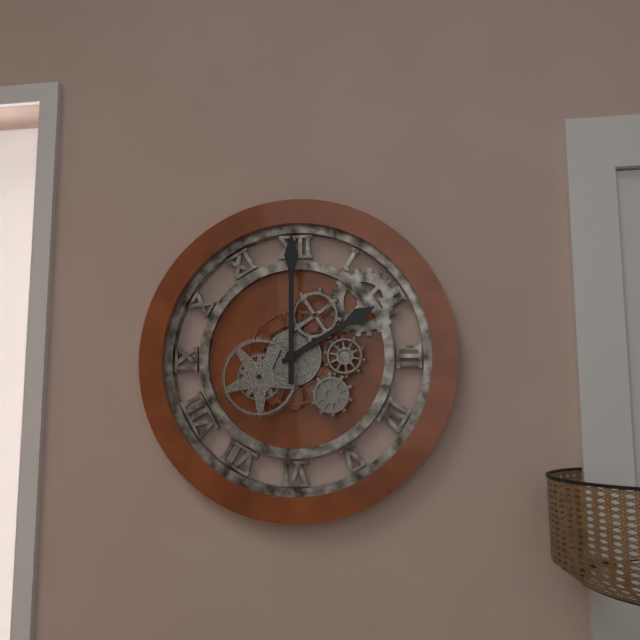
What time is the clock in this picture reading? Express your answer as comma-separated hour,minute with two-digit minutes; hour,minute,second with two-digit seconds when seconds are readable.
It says 2,00
